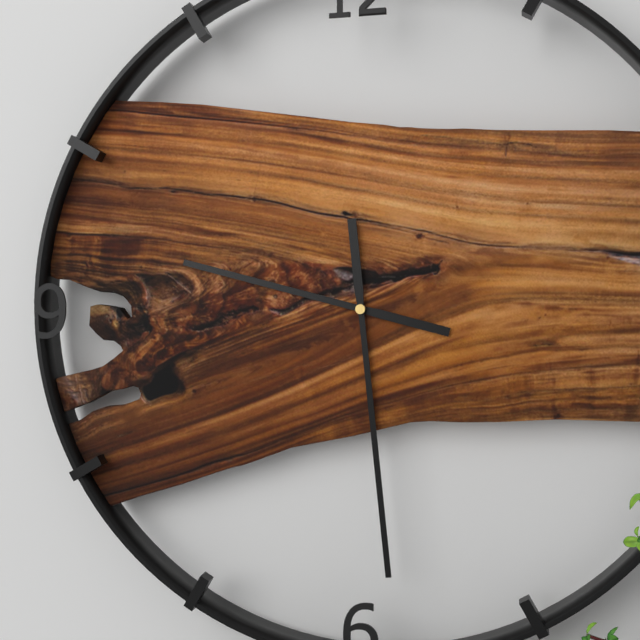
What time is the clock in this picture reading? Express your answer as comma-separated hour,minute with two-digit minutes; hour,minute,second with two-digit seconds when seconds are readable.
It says 9,29
